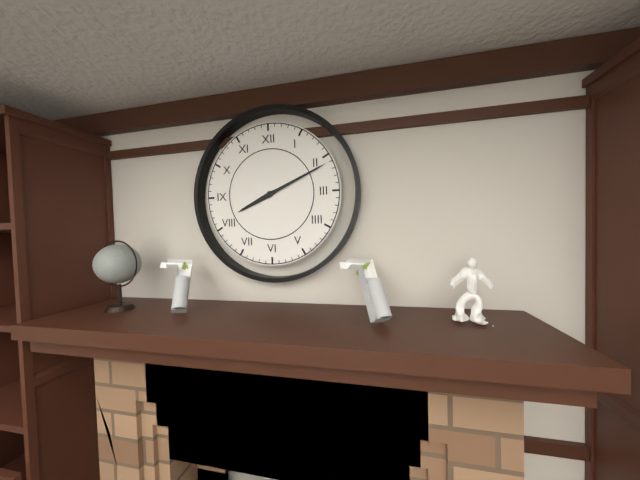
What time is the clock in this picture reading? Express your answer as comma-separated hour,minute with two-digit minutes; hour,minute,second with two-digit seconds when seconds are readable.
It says 8,11
